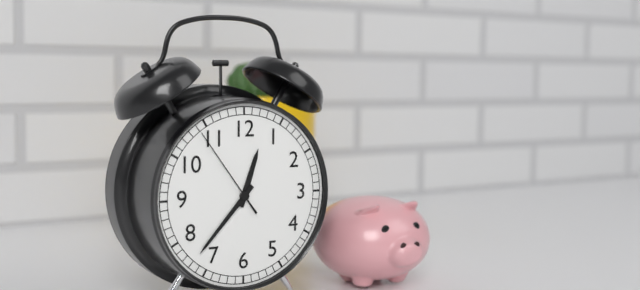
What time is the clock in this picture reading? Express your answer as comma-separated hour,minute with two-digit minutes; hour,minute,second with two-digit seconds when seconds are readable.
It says 12,37,54
